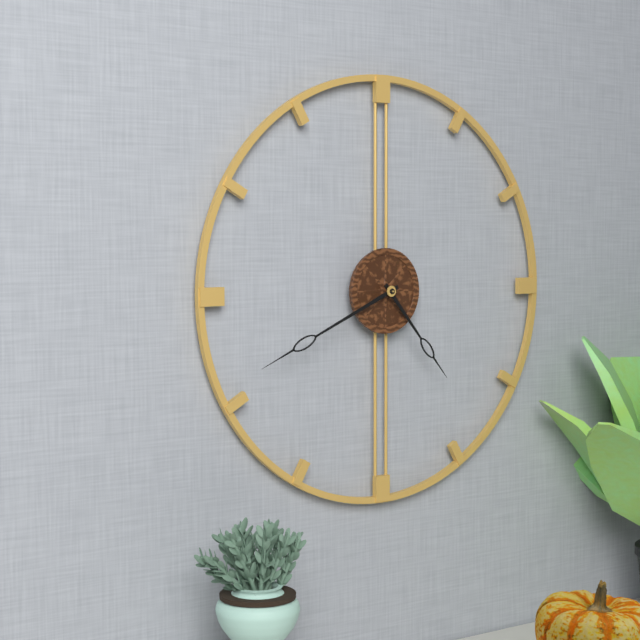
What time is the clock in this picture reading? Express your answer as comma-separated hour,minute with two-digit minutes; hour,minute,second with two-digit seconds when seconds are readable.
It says 4,41
